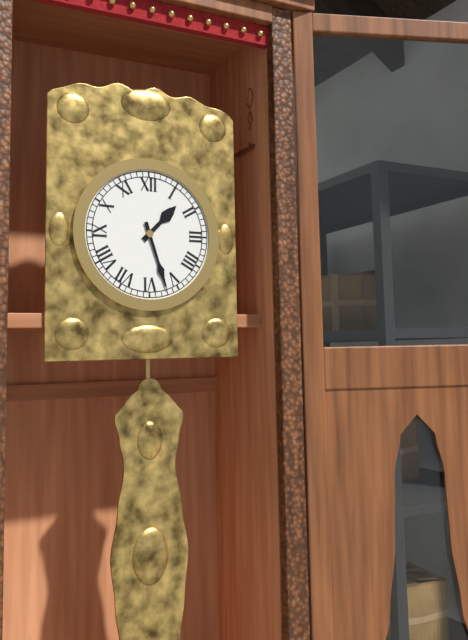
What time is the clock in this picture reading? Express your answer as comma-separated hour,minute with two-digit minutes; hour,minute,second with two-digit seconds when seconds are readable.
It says 1,27
